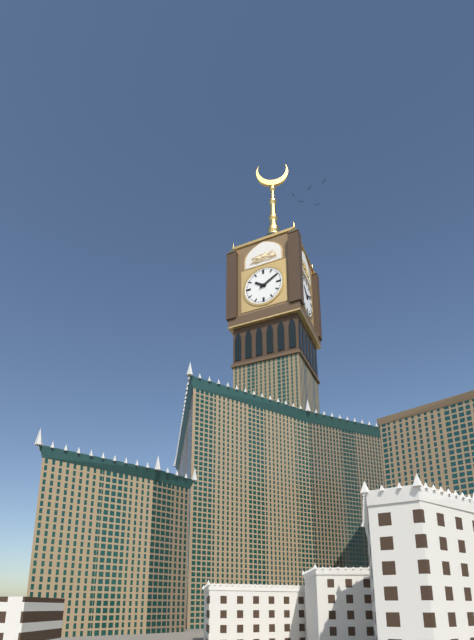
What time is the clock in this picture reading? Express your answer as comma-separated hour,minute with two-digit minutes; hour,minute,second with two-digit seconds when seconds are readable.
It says 10,10
